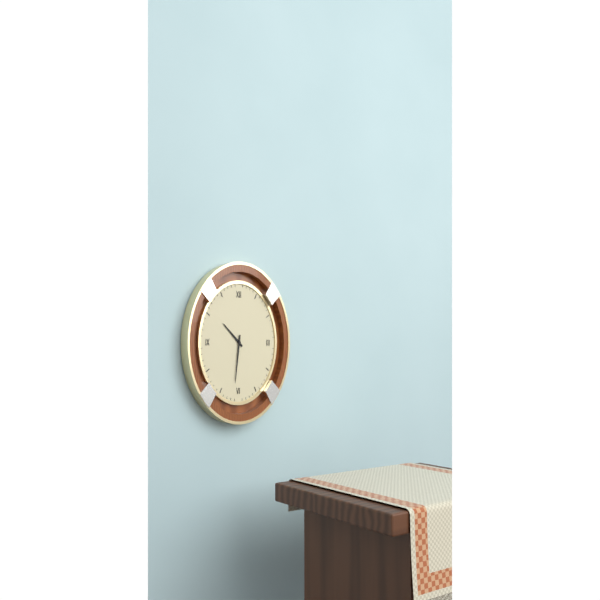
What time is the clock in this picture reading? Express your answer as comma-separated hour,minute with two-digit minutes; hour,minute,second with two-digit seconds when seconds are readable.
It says 10,31
